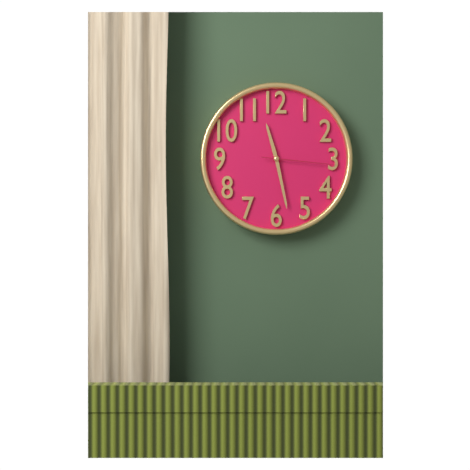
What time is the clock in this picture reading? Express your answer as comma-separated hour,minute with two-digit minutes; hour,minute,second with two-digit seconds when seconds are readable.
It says 11,28,16
